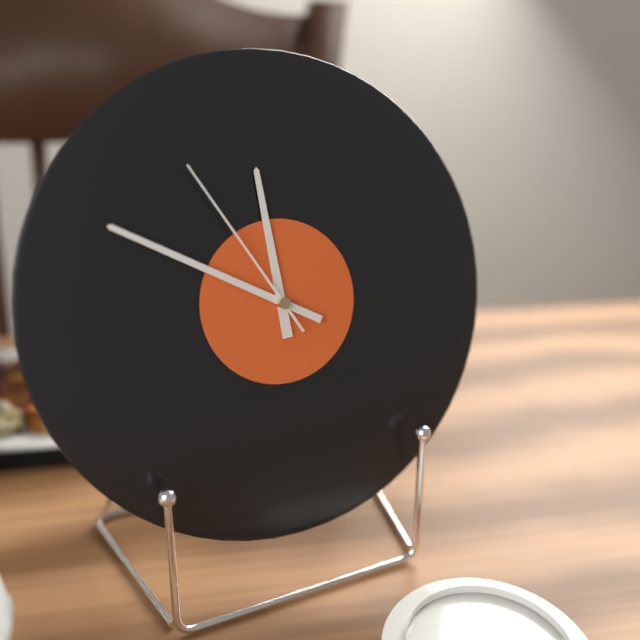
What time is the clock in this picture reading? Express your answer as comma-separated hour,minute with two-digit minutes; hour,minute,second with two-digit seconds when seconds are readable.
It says 11,50,55
